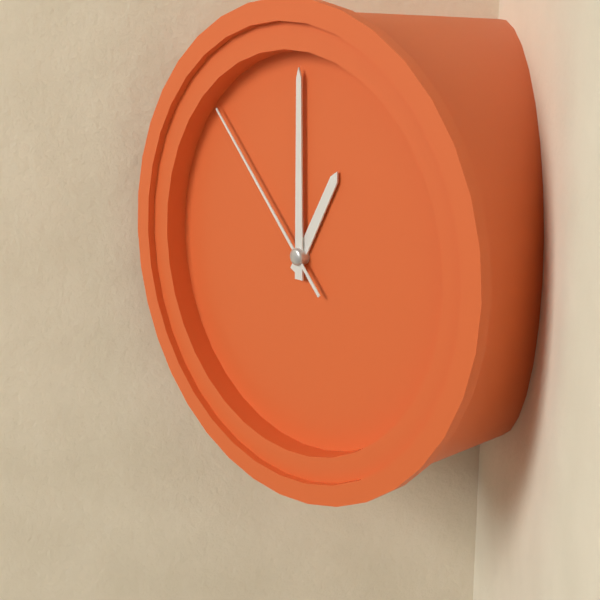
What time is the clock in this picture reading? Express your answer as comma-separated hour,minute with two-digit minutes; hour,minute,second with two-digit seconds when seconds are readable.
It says 1,00,53
